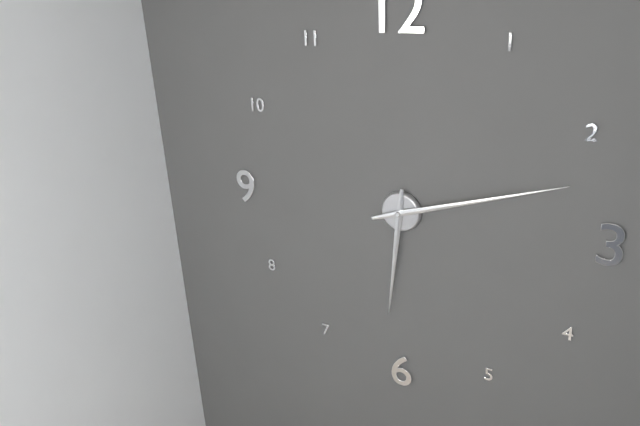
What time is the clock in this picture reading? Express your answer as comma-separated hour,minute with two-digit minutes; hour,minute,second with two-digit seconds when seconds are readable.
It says 6,12
